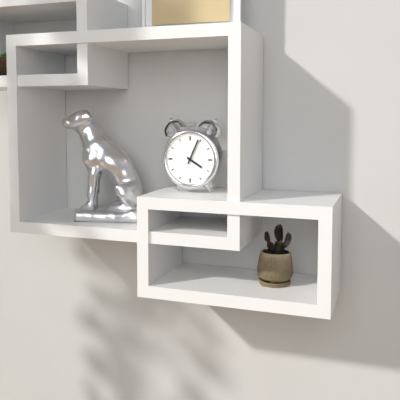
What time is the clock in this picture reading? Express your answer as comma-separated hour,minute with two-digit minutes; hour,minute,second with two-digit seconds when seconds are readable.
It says 4,04
